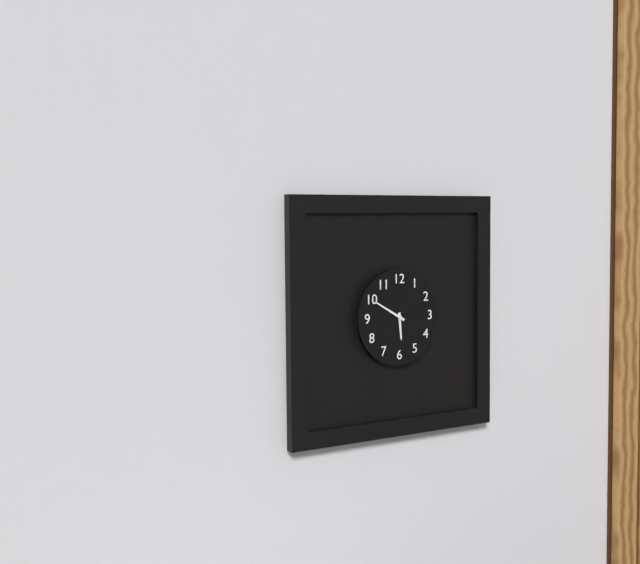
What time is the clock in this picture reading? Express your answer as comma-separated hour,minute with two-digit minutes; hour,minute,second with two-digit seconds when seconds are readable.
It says 5,50
